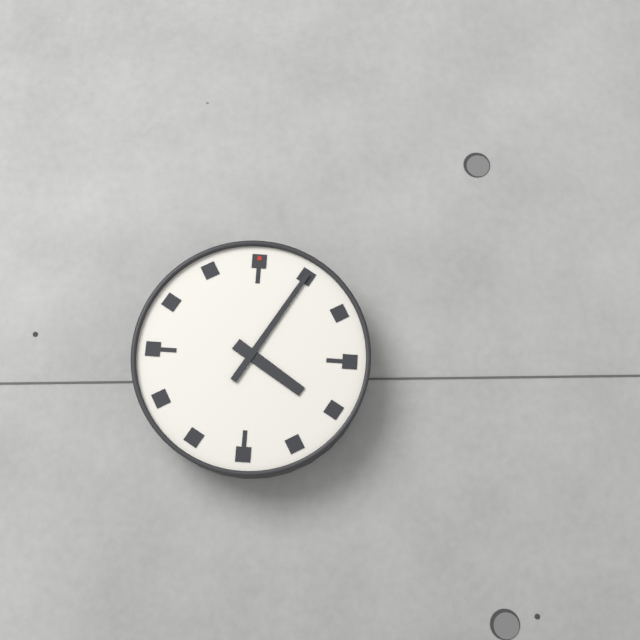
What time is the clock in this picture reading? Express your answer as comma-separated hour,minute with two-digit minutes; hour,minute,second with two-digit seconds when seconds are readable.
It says 4,05
